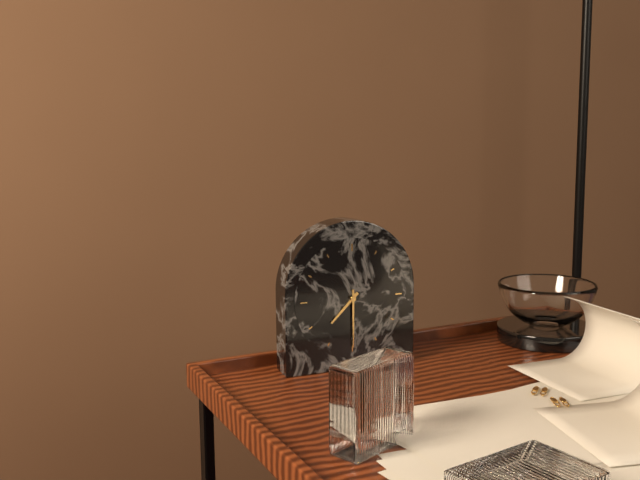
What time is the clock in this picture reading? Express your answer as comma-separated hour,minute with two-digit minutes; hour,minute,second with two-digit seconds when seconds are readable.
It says 7,30
